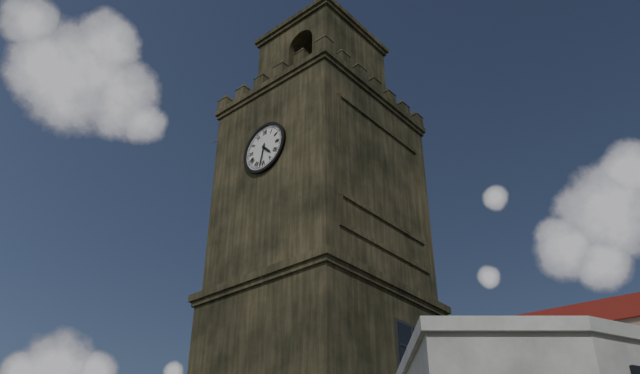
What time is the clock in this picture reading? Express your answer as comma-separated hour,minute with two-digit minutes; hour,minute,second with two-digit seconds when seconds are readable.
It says 4,32
